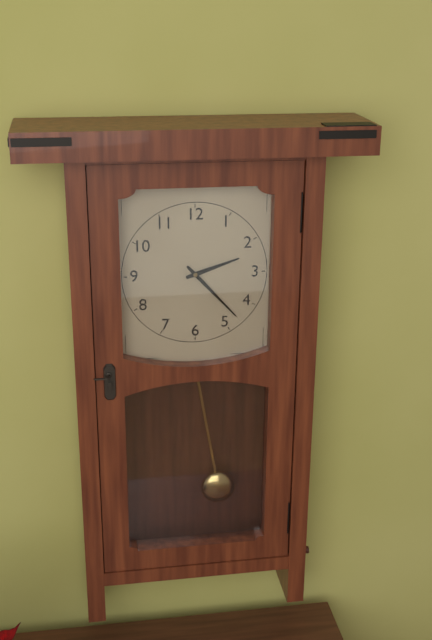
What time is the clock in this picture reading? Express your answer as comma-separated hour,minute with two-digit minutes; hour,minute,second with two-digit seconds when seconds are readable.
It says 2,23
